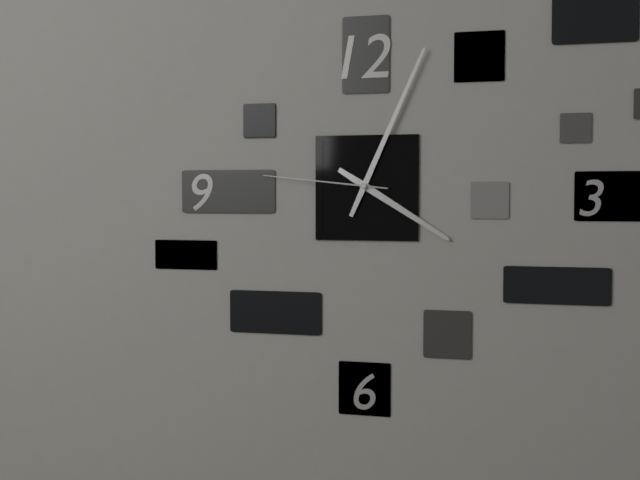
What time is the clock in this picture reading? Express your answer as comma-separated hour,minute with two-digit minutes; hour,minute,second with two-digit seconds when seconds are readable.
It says 4,04,46
